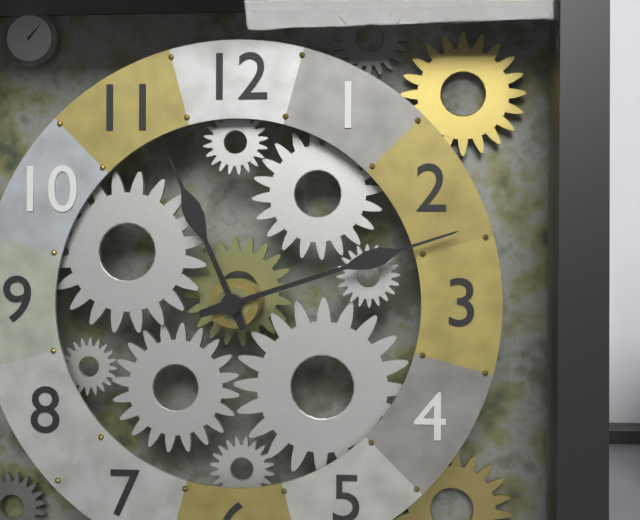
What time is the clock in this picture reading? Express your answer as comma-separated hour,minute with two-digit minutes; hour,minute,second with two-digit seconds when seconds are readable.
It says 11,12
